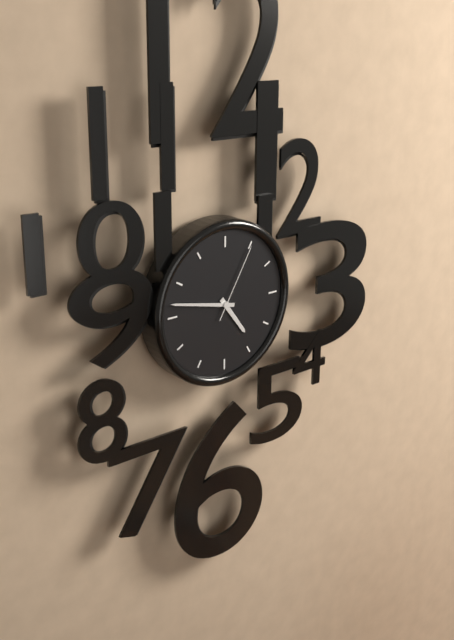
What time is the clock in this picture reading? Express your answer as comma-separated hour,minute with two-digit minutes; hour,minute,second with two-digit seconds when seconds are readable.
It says 4,47,05
